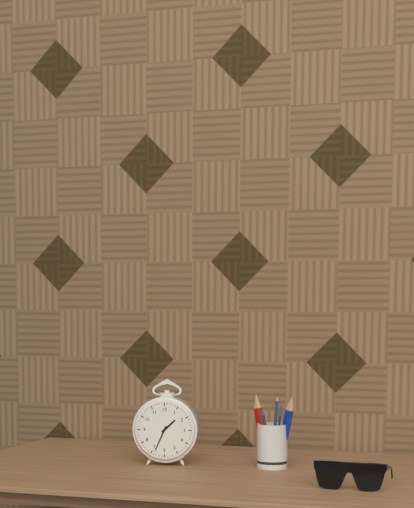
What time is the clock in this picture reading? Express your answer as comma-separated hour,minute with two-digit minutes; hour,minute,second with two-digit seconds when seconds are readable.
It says 1,34
